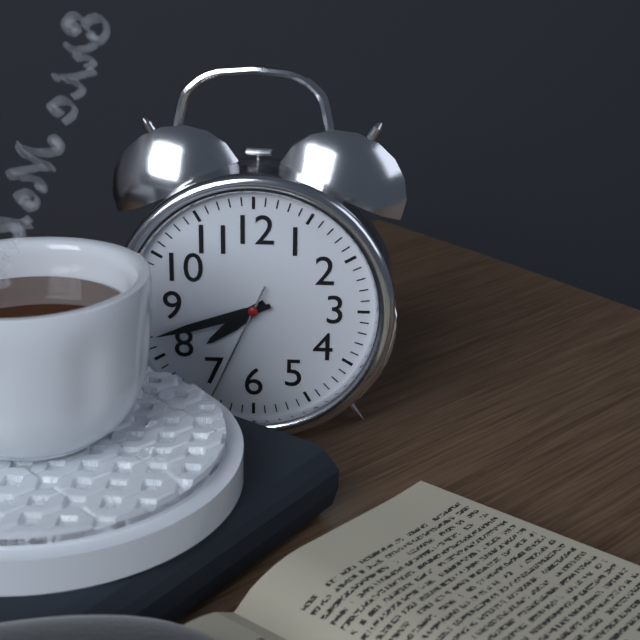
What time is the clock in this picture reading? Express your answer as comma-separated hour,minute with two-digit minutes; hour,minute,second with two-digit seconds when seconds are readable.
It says 7,42,34
